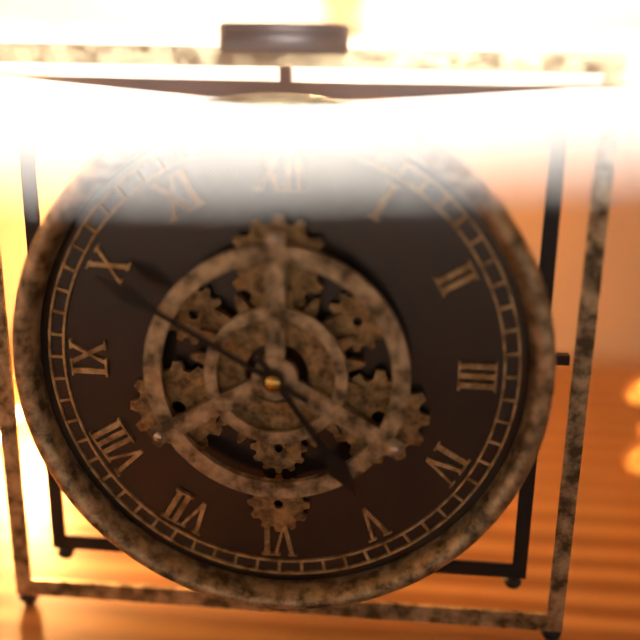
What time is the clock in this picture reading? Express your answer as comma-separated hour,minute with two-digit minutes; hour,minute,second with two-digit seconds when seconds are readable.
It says 4,50
